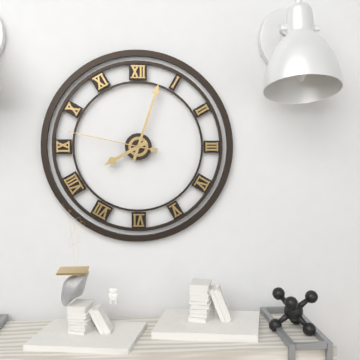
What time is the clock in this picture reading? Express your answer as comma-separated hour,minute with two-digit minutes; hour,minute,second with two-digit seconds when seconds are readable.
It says 8,03,47
